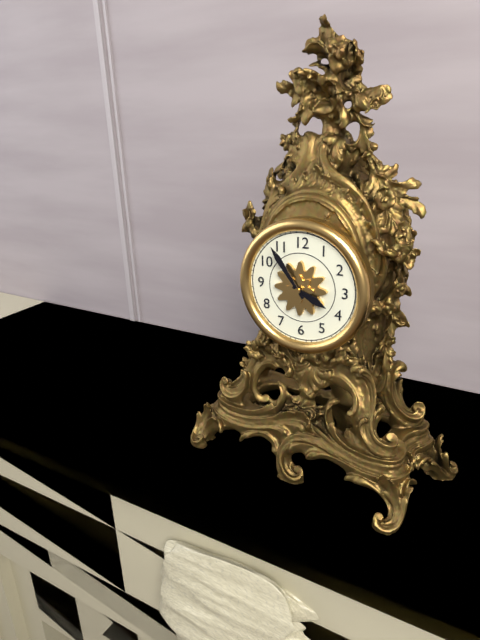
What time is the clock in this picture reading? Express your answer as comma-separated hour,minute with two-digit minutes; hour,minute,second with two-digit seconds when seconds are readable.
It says 3,54
